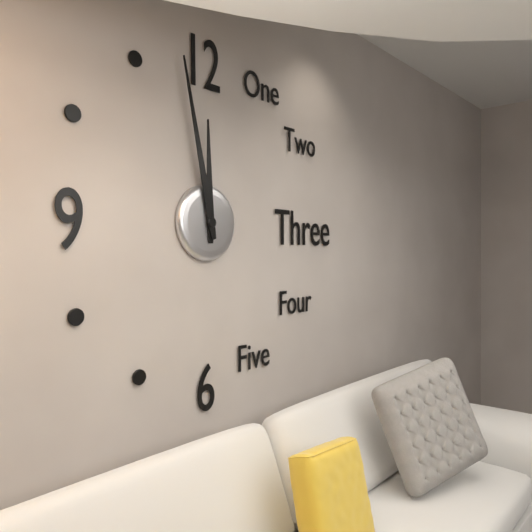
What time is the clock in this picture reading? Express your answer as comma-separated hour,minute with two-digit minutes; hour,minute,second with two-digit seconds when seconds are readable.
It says 11,58
